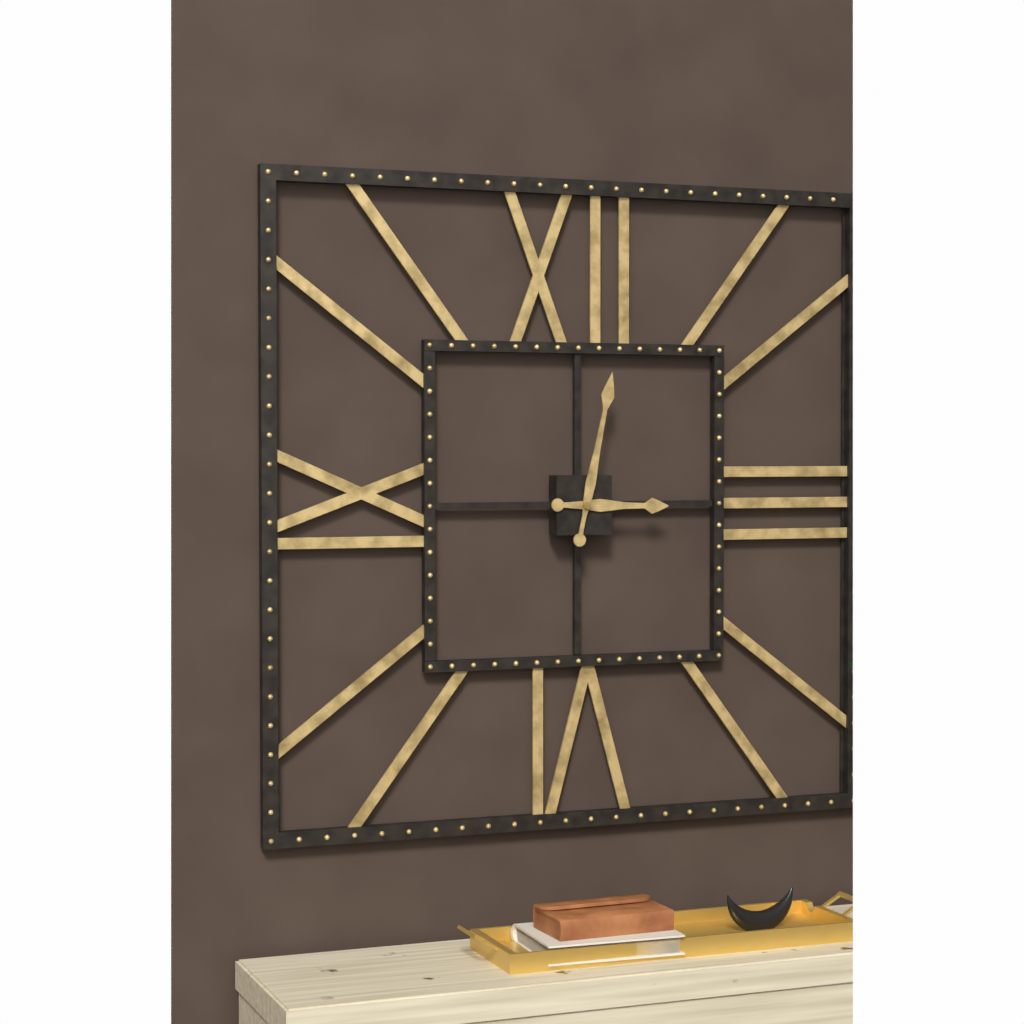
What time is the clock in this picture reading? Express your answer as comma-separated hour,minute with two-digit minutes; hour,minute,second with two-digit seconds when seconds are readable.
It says 3,02
